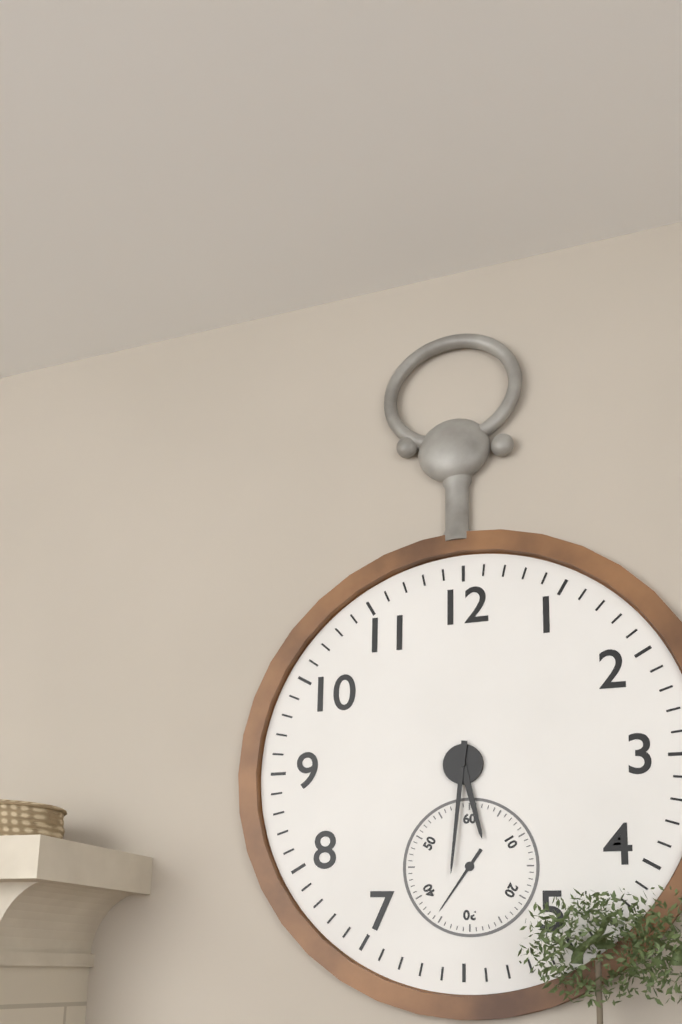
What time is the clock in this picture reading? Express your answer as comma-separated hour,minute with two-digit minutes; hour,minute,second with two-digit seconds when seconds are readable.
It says 5,31
